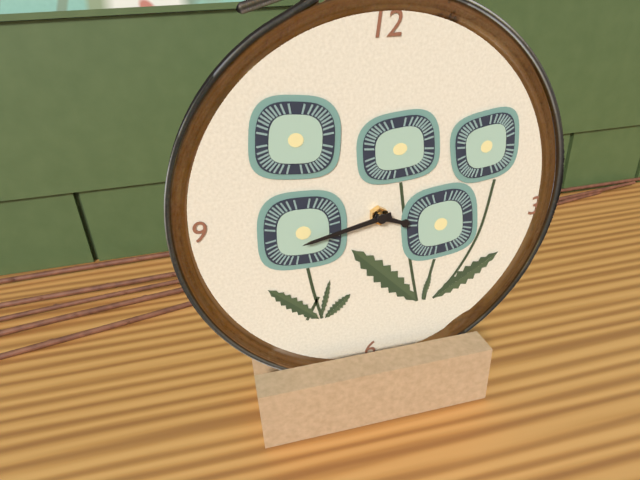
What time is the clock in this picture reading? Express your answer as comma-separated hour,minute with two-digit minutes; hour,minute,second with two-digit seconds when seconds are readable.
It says 3,43
